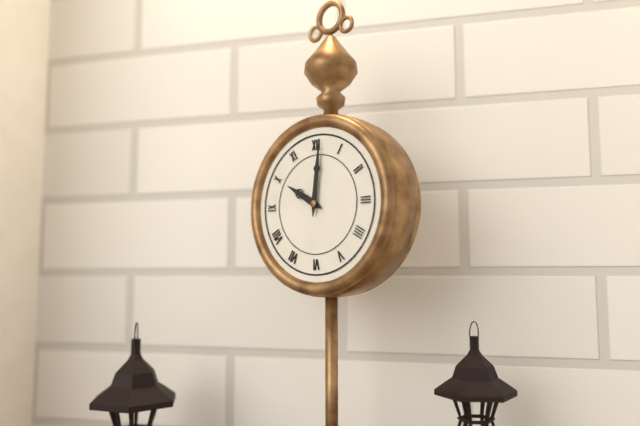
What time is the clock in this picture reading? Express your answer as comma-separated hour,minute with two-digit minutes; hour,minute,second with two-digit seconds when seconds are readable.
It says 10,01
